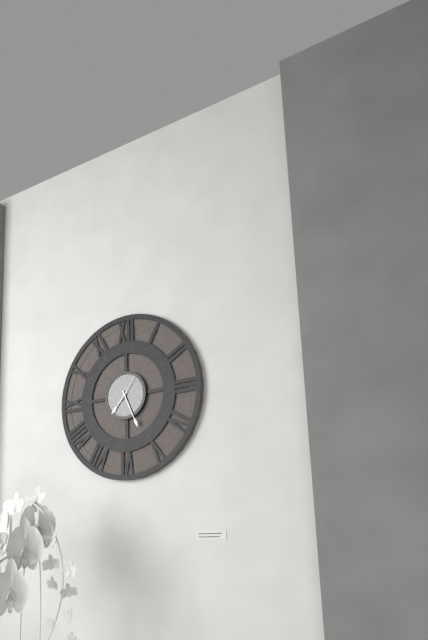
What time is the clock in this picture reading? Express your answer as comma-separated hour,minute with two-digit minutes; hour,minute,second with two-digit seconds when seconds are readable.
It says 7,26
